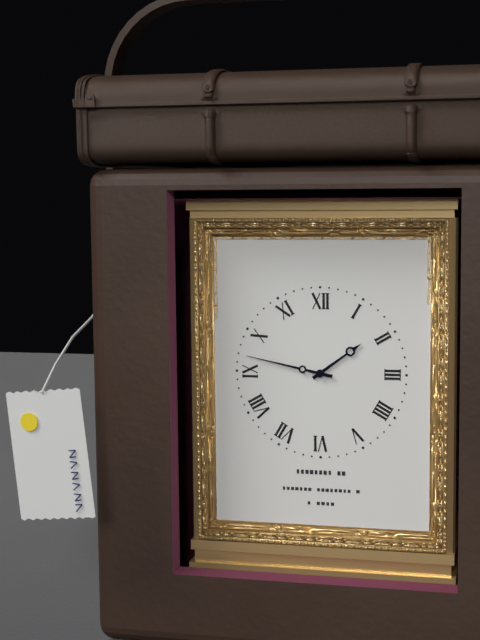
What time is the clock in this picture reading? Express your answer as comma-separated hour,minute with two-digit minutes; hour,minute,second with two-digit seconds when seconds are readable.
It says 1,47
